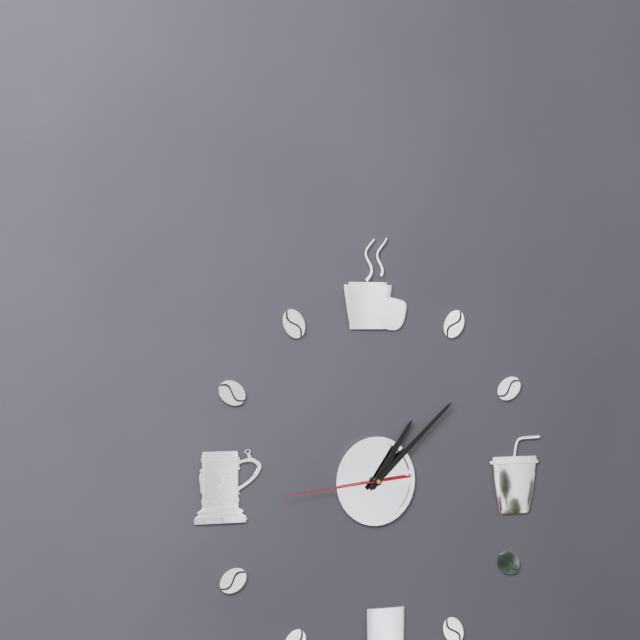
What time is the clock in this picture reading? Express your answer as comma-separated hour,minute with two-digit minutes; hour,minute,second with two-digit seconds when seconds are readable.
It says 1,08,44
